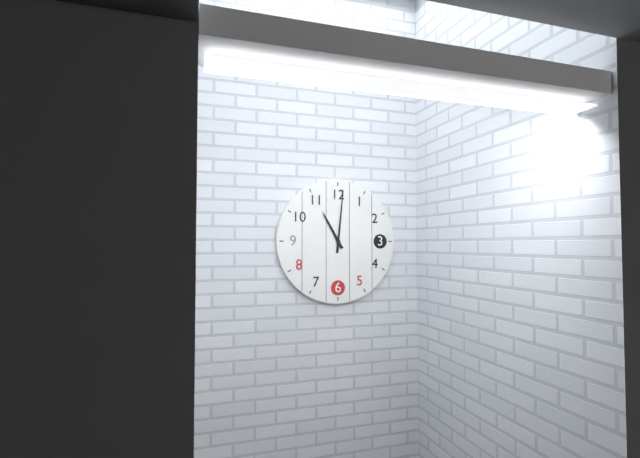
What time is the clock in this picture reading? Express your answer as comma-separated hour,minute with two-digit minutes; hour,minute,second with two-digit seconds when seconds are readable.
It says 11,01
